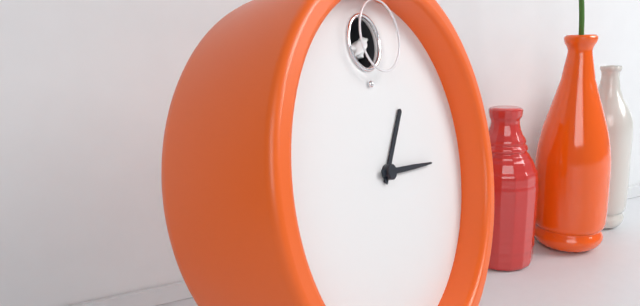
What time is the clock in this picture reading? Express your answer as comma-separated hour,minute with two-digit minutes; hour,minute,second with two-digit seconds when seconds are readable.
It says 1,16
